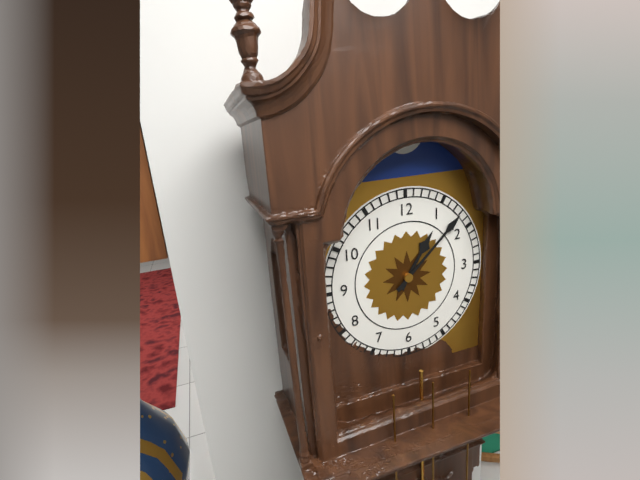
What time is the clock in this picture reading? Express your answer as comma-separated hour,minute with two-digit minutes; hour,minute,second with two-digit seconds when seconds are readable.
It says 1,08
